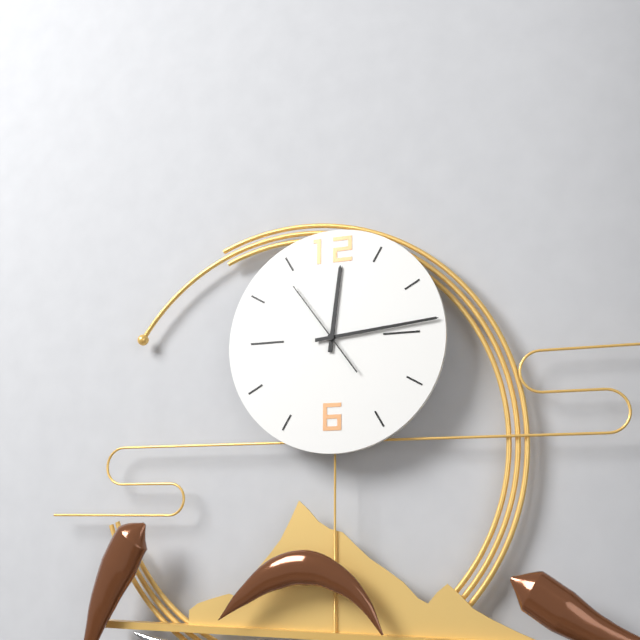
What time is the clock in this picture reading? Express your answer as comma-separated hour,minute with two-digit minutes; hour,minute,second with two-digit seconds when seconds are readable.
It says 12,14,54
